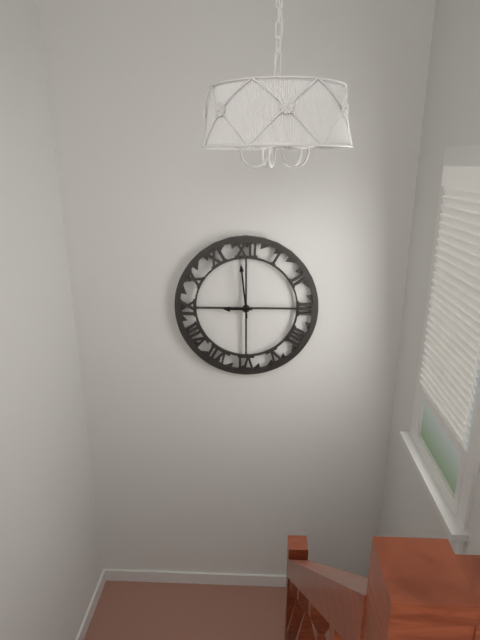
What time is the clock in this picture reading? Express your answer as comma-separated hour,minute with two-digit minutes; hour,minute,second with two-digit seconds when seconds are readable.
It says 8,59
